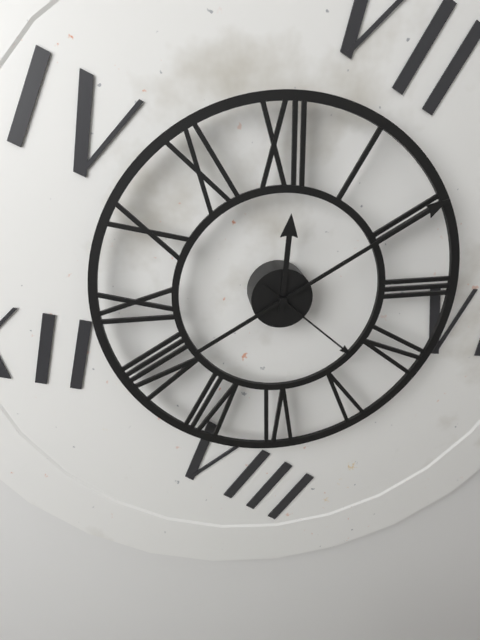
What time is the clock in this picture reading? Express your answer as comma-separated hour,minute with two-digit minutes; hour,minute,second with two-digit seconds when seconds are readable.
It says 12,10,22
